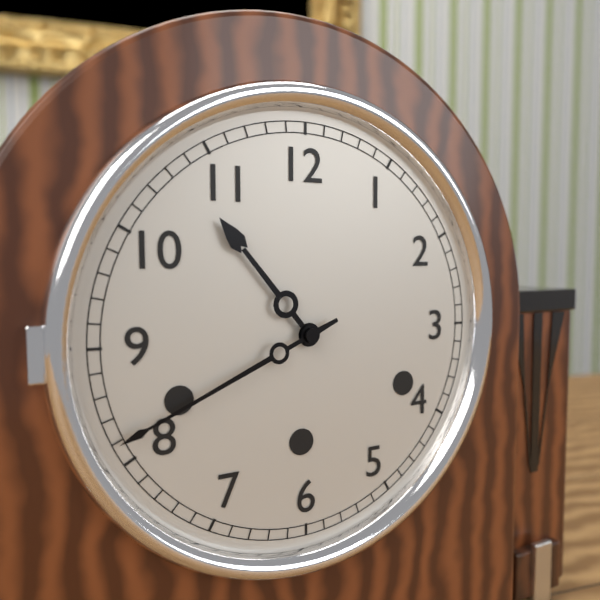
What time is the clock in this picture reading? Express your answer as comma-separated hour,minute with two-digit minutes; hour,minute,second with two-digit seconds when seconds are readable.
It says 10,41
